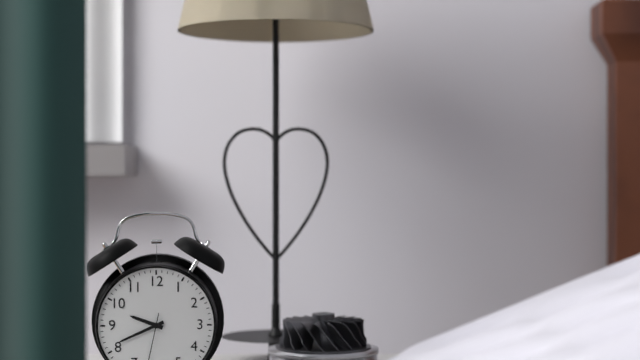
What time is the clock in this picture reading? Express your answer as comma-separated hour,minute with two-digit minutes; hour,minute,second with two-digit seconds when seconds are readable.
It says 9,41
